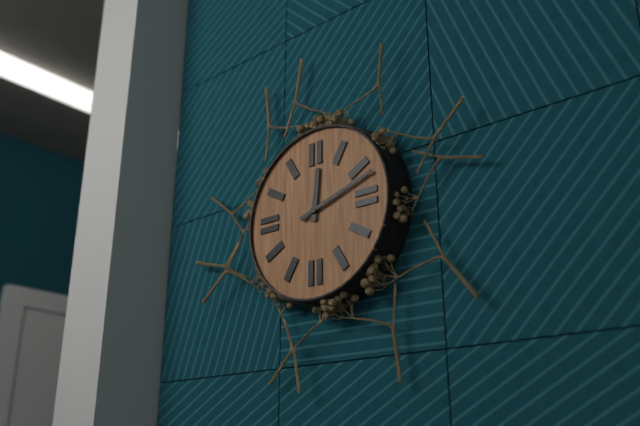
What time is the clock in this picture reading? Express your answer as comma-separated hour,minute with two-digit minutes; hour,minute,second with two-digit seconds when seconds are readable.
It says 12,12
